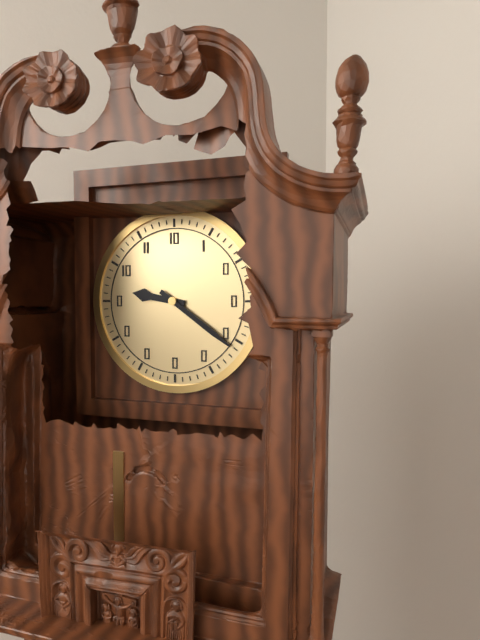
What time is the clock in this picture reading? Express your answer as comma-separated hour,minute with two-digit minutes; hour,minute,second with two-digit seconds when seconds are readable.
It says 9,21
